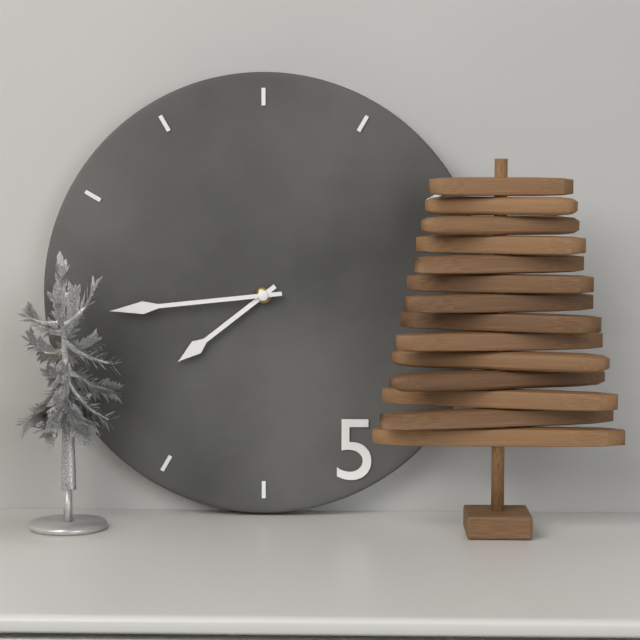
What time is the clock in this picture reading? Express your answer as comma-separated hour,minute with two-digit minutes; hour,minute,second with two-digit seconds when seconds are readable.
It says 7,44
